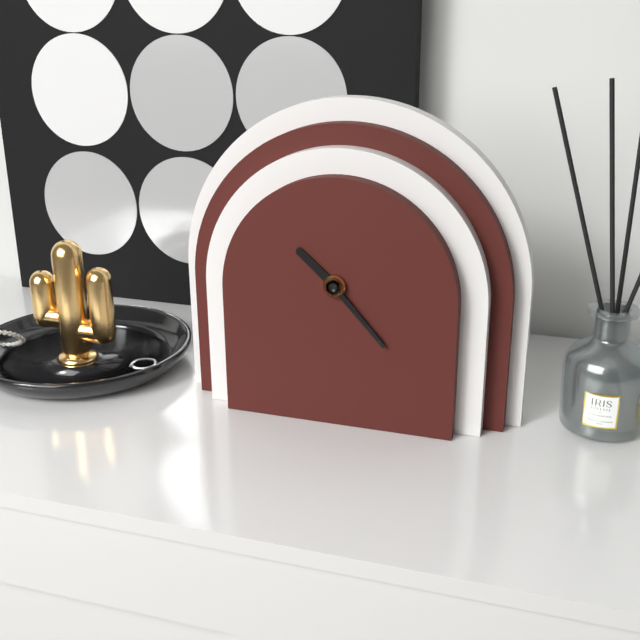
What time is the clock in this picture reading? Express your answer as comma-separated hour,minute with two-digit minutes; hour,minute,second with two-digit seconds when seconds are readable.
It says 10,23
